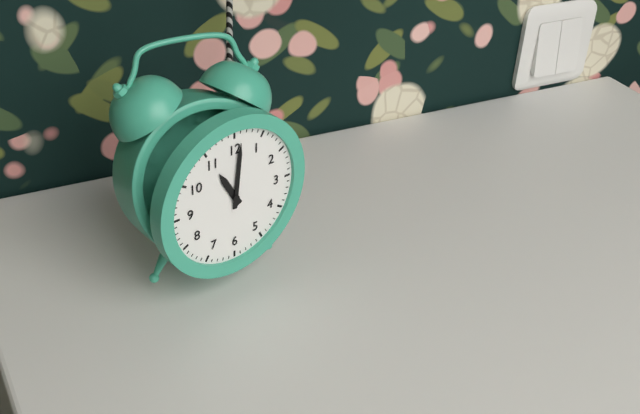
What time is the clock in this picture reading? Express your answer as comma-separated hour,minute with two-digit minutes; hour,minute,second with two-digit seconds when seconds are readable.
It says 11,01
